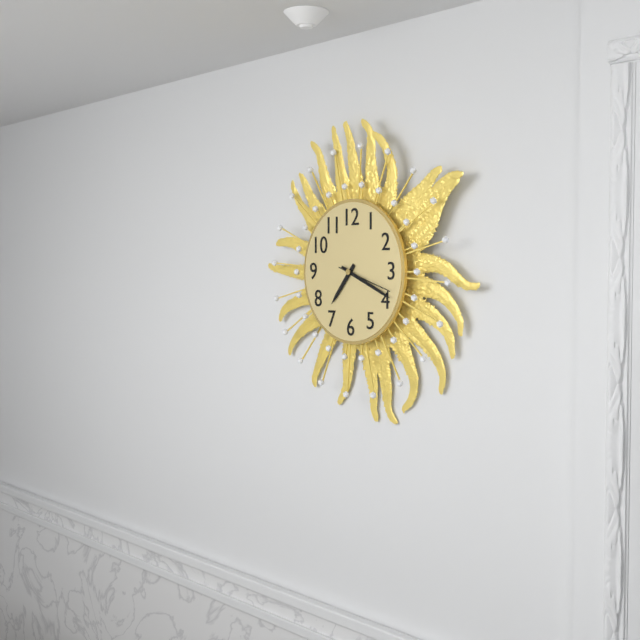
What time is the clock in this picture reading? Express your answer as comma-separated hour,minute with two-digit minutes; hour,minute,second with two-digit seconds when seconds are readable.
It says 7,19,18
